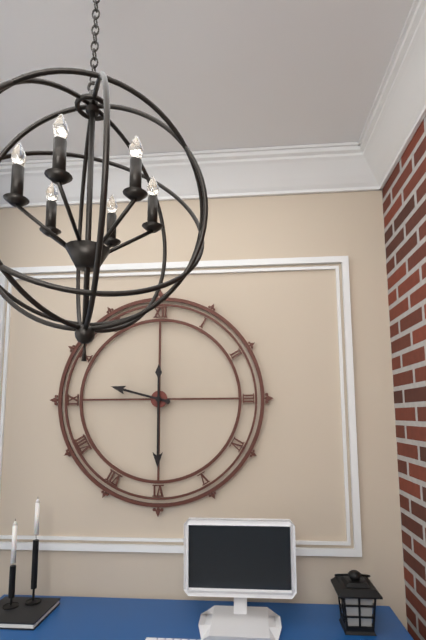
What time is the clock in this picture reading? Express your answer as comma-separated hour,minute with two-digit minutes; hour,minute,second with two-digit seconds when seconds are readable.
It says 9,30
